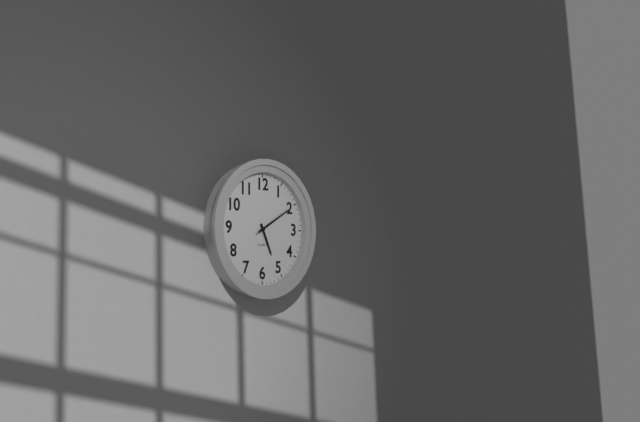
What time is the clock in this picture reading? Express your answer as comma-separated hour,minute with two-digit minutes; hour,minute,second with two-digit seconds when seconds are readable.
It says 5,10
